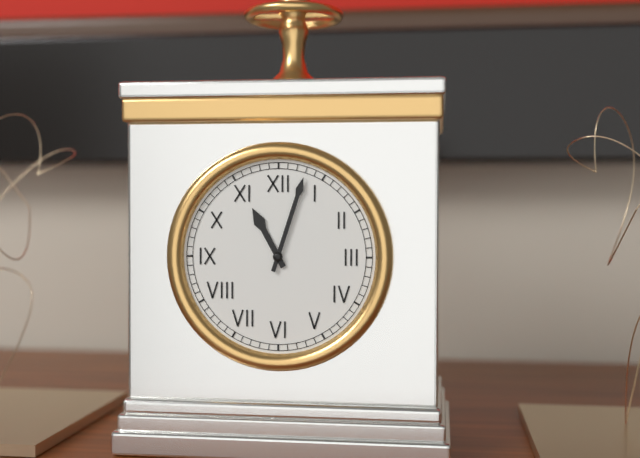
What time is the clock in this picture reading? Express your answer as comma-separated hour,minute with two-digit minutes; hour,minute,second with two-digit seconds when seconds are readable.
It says 11,03
